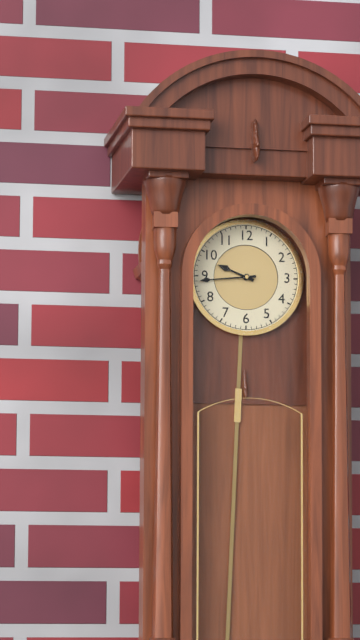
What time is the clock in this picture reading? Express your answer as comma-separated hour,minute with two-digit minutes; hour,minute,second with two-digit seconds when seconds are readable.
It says 9,44
